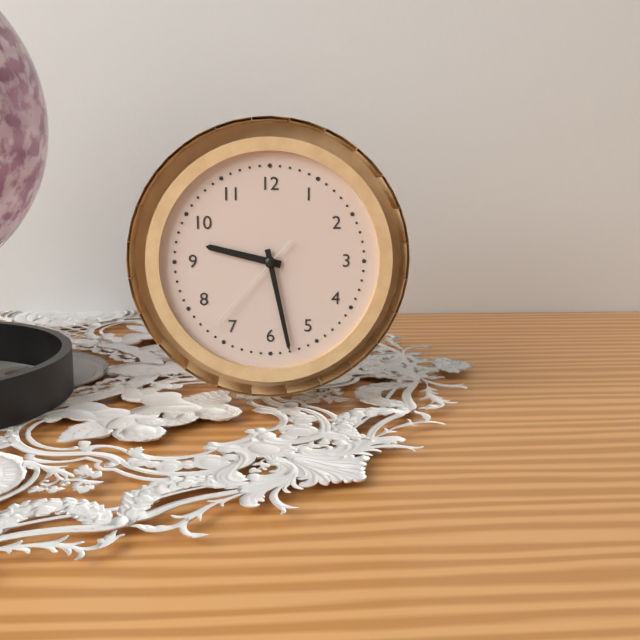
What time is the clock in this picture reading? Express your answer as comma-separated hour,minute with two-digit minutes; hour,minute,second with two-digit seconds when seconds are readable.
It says 9,28,37
